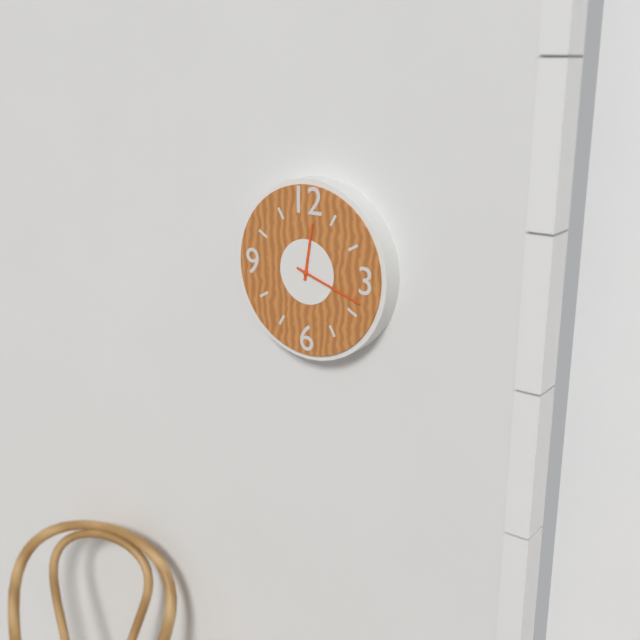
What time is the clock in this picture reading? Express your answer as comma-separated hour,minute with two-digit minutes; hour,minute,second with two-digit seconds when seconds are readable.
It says 12,18
